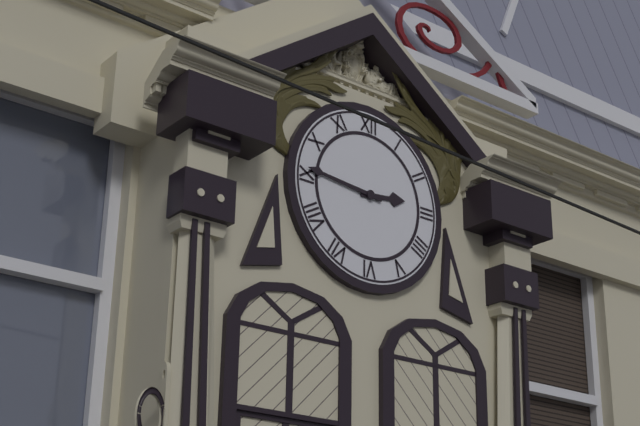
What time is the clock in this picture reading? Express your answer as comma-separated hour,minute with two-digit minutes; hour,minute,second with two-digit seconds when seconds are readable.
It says 2,46
